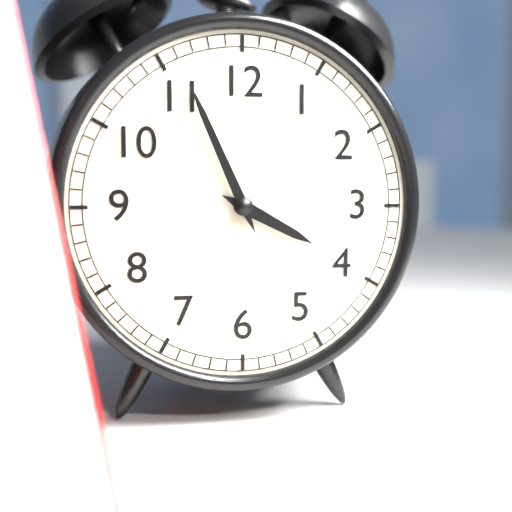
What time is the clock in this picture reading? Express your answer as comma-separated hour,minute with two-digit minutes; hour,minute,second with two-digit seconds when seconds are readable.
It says 3,56
